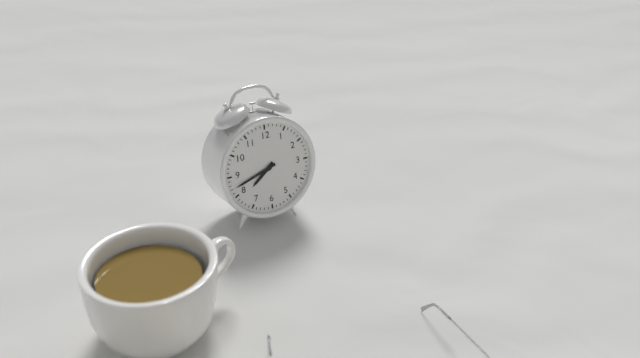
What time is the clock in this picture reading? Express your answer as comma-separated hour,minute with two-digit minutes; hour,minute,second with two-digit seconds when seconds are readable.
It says 7,42
